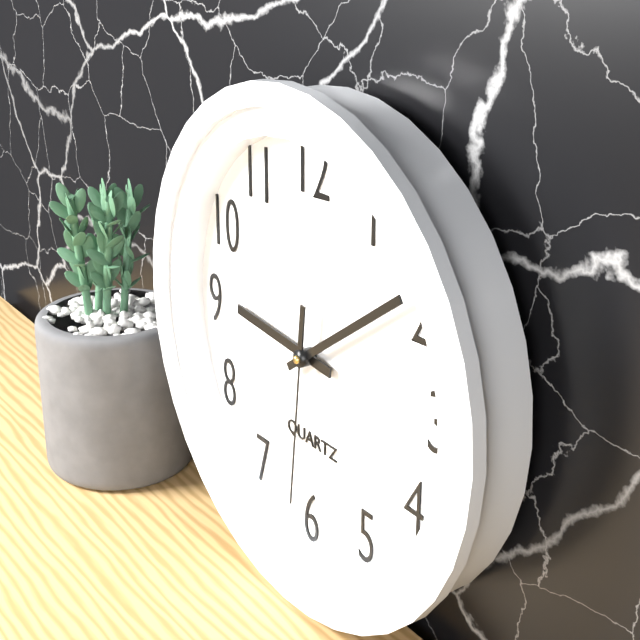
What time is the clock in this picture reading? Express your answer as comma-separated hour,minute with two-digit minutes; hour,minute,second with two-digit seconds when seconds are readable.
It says 9,09,31
